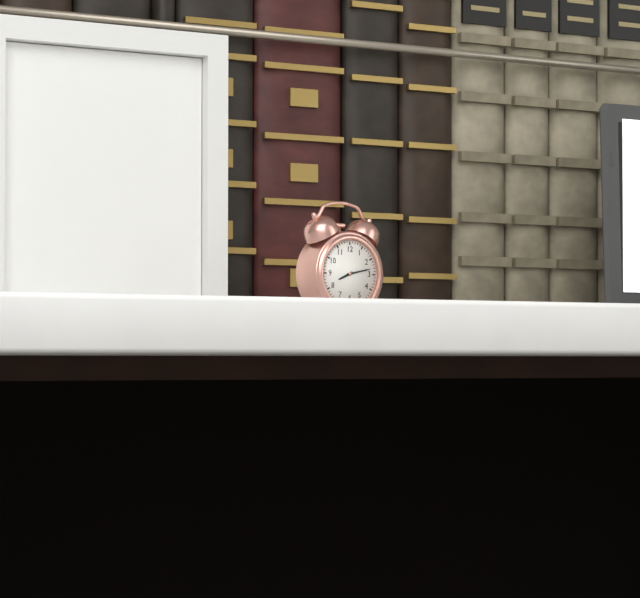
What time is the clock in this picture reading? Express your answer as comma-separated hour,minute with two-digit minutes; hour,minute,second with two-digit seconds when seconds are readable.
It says 8,13
